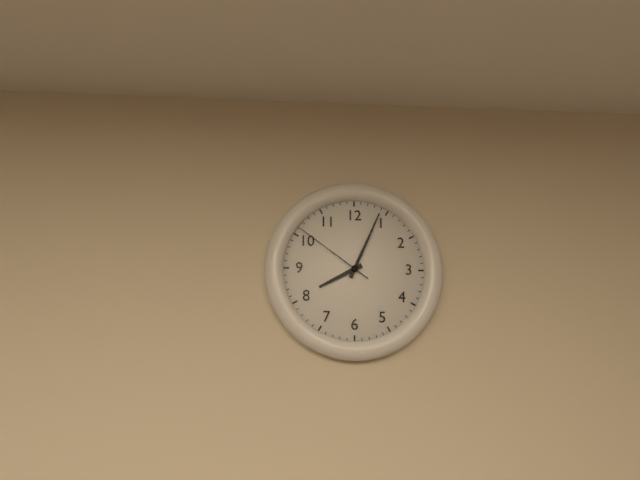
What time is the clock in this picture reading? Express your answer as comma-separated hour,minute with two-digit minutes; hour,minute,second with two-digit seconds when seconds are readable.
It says 8,04,51
